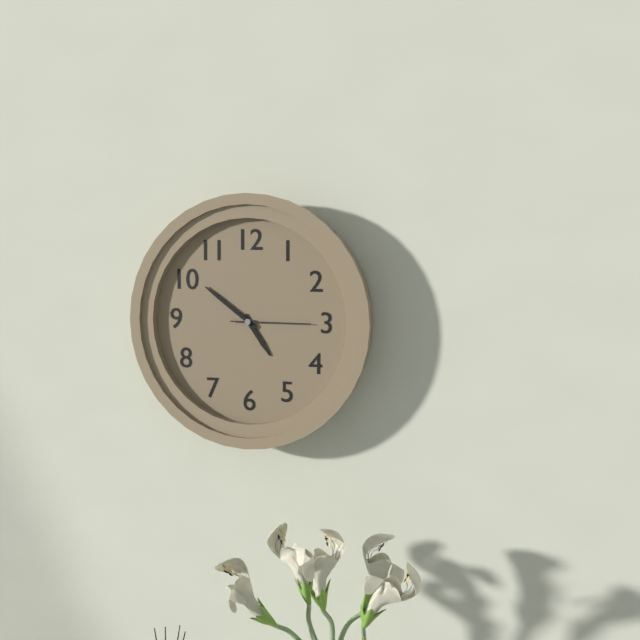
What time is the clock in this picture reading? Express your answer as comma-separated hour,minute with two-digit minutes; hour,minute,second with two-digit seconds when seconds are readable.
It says 4,51,15
